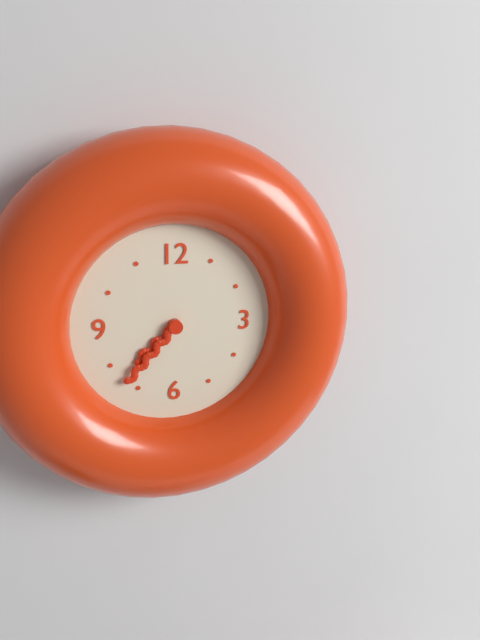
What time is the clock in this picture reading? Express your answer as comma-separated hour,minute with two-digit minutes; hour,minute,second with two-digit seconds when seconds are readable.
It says 7,37
